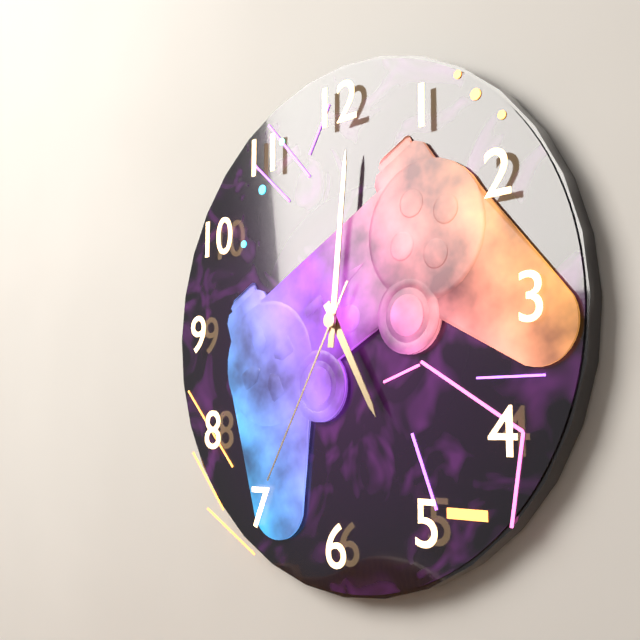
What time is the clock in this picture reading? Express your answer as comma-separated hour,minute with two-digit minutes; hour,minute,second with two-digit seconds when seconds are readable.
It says 5,01,35
